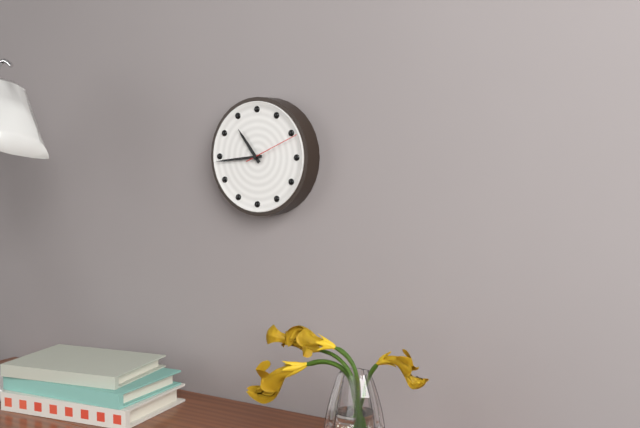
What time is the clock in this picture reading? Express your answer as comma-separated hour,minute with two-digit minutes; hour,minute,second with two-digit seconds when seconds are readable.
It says 10,44
